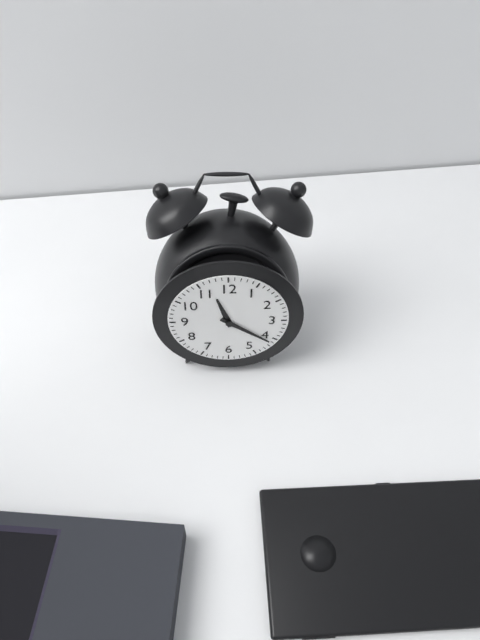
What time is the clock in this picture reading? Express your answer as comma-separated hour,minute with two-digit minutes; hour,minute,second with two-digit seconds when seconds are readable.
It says 11,21
